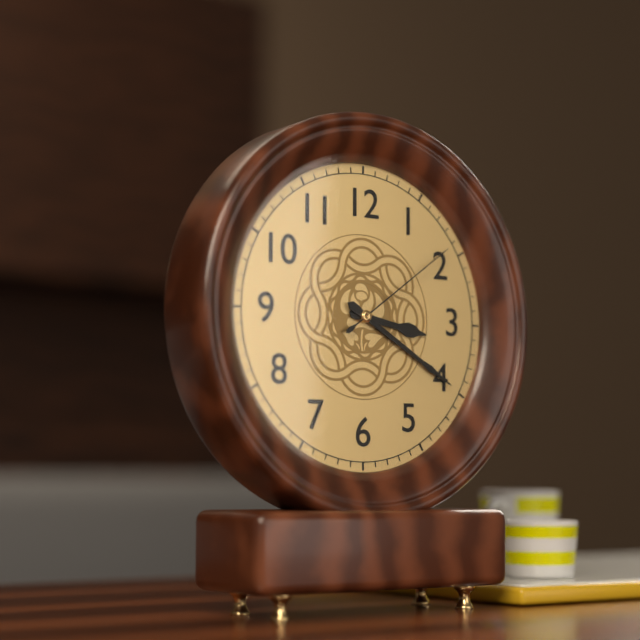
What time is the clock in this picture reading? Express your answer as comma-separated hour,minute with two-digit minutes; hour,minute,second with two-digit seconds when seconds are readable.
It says 3,20,09
